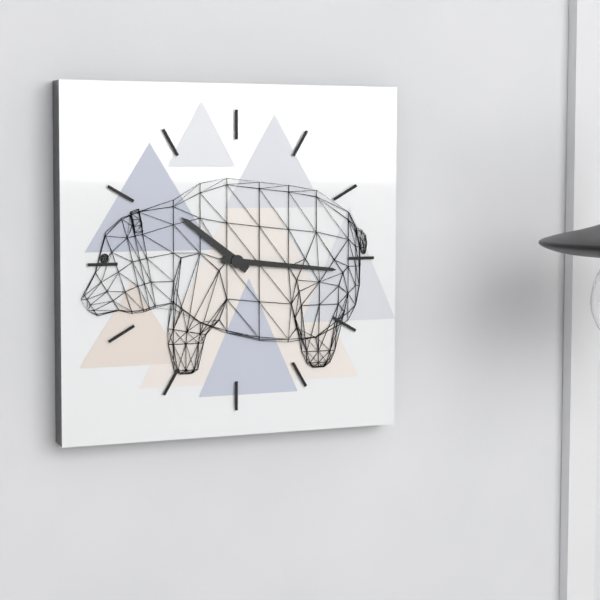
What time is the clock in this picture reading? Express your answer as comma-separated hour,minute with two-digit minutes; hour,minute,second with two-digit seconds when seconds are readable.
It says 10,16
